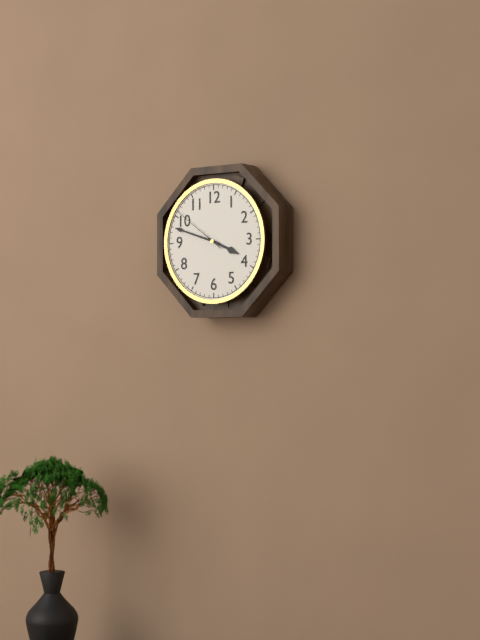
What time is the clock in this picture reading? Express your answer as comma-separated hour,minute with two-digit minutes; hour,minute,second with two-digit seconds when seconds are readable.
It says 3,48,51
